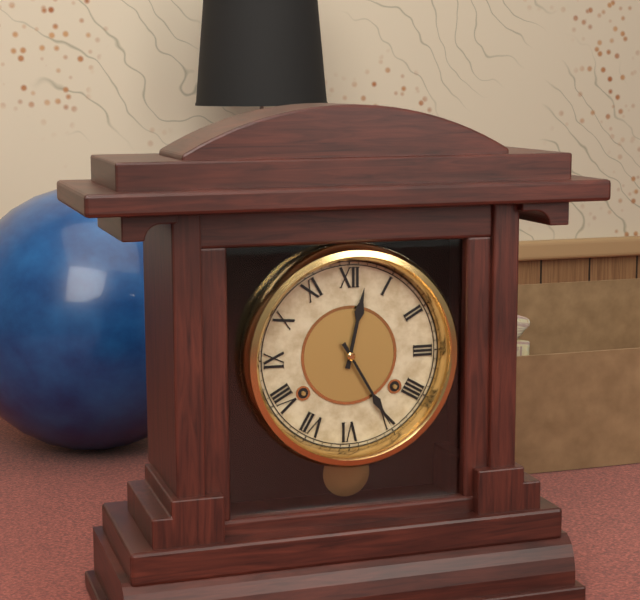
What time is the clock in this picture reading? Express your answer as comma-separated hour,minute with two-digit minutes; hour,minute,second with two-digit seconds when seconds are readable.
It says 12,25
